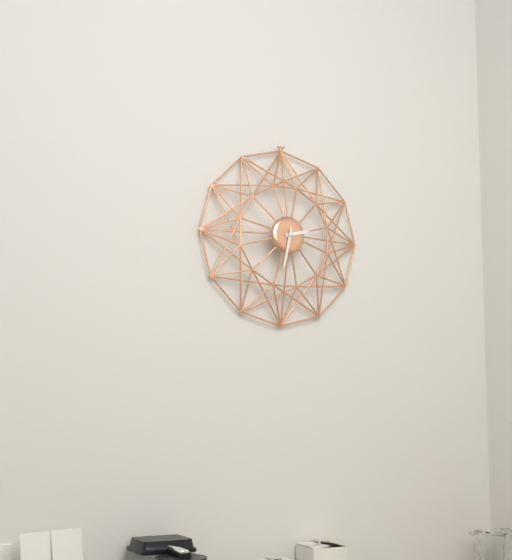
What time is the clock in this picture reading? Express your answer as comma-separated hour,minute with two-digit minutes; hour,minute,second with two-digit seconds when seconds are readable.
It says 2,32
